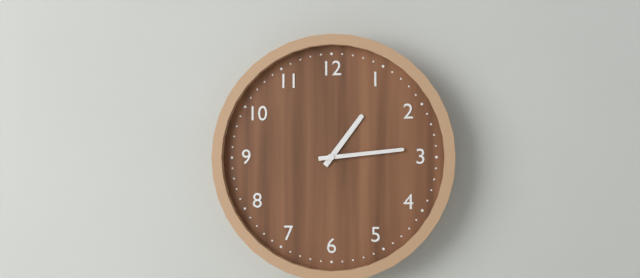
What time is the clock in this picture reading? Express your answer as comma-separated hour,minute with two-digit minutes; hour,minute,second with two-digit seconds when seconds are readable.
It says 1,14
